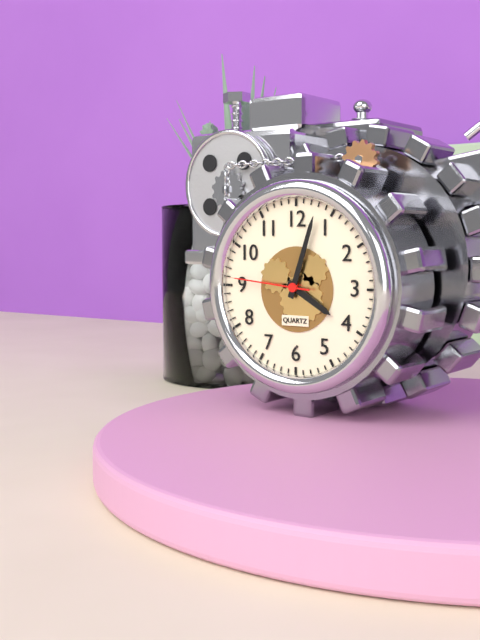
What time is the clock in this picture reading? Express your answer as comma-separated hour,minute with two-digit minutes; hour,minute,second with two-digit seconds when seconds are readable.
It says 4,03,46
